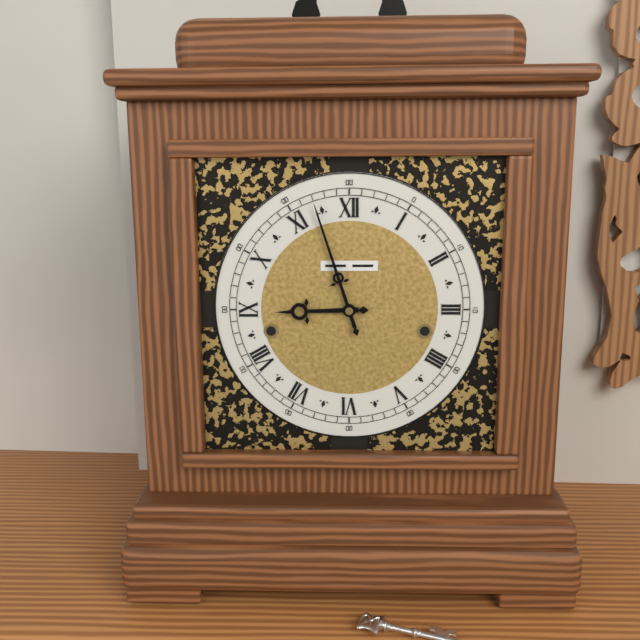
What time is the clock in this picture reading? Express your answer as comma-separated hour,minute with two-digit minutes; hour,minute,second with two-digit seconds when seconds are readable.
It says 8,57
